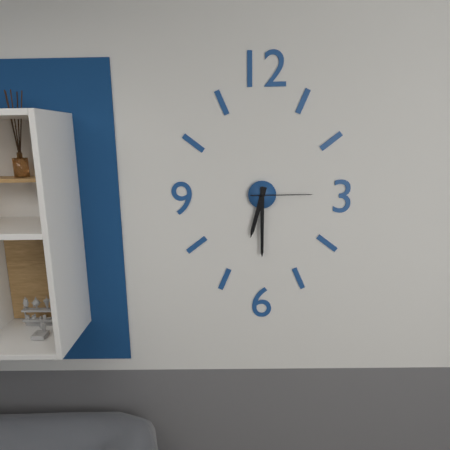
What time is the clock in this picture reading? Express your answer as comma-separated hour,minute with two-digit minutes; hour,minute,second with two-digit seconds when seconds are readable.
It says 6,30,15
